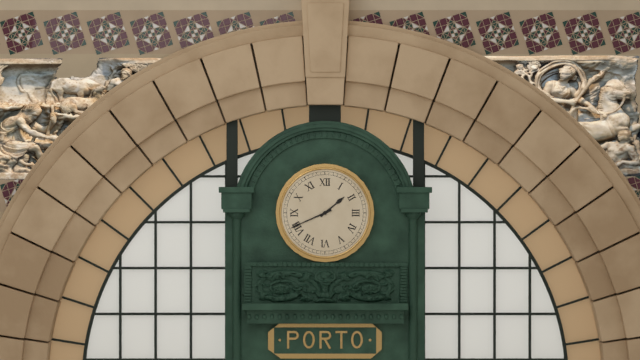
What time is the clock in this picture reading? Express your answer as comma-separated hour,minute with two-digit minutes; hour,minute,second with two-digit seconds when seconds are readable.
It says 1,41
